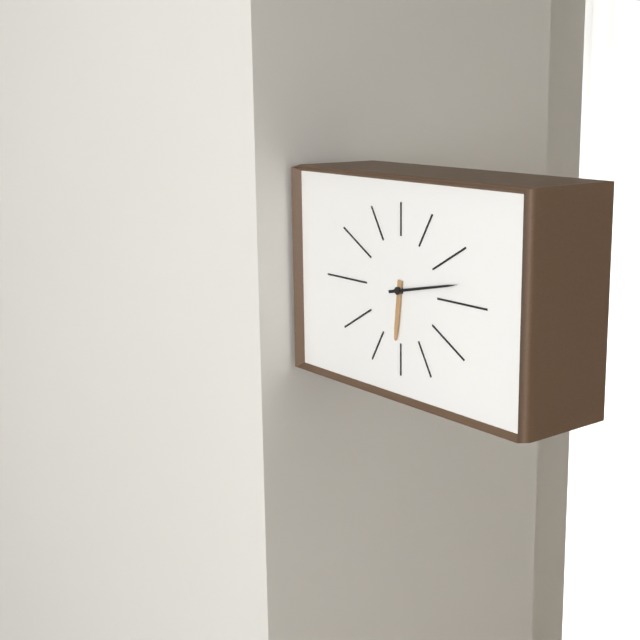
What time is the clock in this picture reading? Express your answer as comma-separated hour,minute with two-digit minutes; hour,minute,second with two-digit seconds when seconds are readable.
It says 6,13
